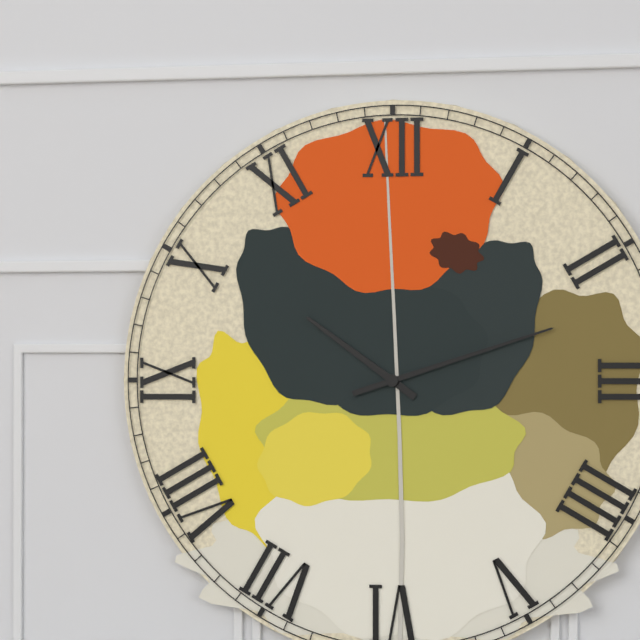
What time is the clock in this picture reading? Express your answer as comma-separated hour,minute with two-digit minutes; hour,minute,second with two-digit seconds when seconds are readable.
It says 10,12
